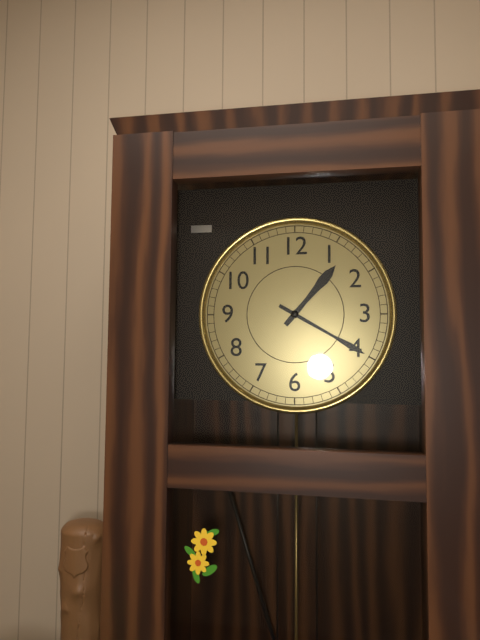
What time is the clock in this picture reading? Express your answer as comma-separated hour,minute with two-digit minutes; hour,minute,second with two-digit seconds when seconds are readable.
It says 1,20
